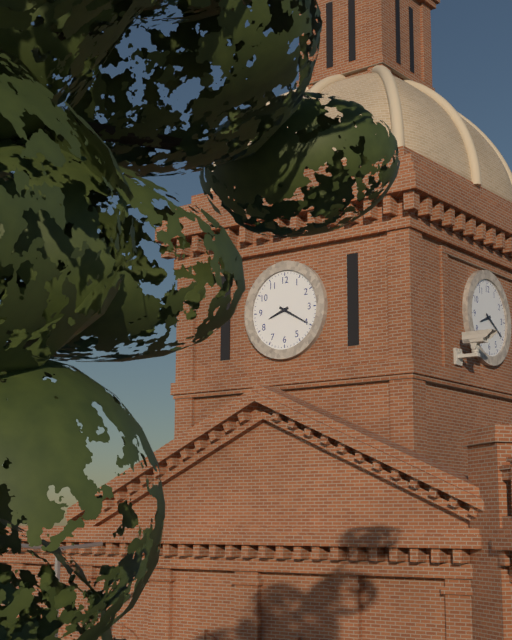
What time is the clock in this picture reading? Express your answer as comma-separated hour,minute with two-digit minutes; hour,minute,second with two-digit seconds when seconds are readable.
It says 8,20
